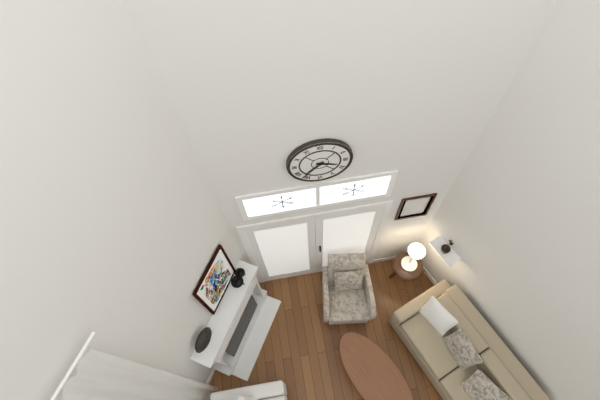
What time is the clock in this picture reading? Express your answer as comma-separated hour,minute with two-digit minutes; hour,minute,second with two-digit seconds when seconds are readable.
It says 3,37
